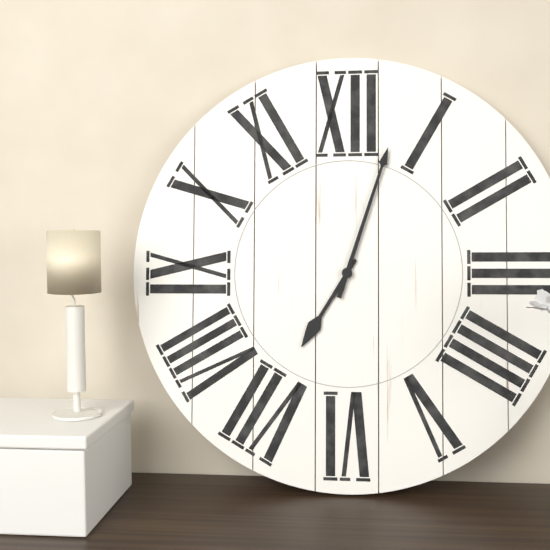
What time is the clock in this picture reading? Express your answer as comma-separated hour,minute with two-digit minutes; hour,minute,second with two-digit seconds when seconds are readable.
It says 7,03
